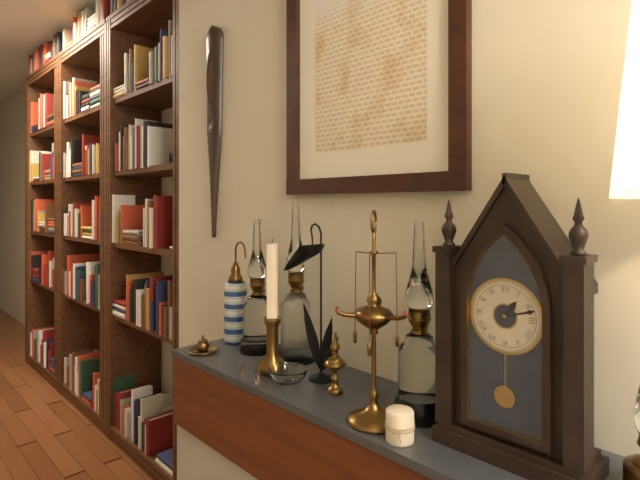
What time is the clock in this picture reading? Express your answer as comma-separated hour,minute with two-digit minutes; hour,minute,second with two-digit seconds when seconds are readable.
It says 1,12
